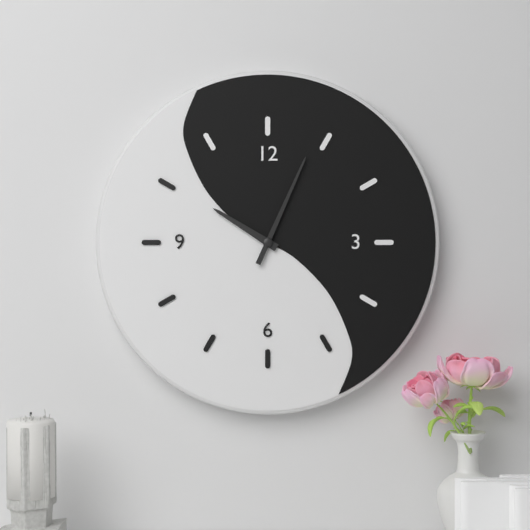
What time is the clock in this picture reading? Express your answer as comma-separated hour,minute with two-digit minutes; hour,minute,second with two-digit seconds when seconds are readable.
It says 10,04
